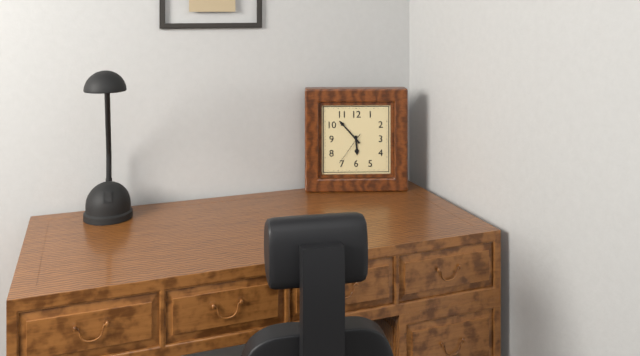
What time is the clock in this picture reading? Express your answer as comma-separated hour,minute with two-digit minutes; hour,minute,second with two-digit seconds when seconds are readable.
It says 5,53
